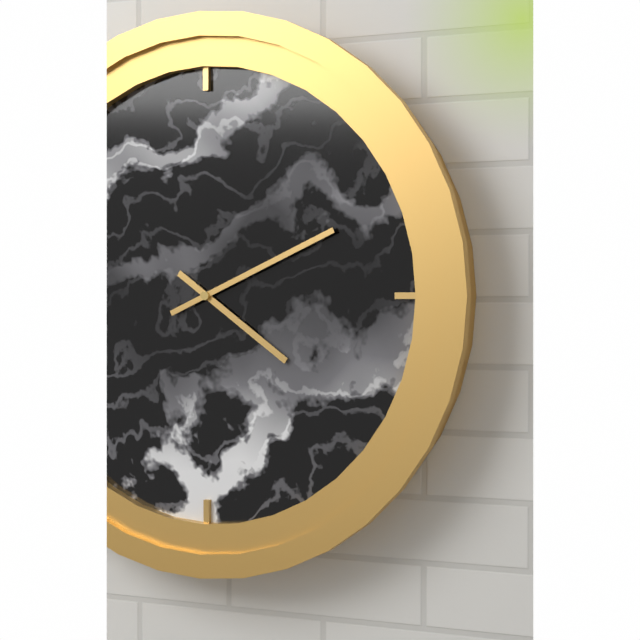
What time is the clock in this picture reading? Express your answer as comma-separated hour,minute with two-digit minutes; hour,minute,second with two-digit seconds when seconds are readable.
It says 4,11
